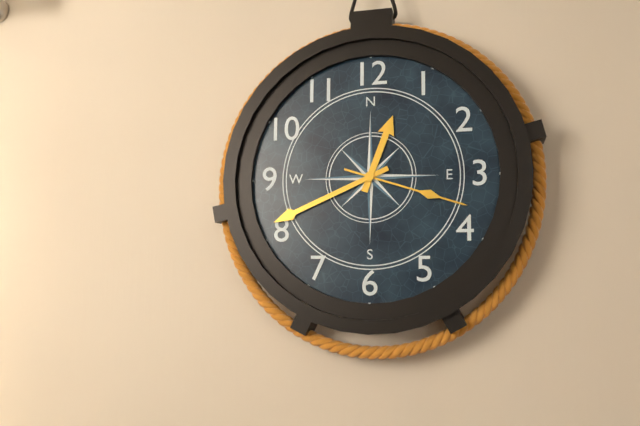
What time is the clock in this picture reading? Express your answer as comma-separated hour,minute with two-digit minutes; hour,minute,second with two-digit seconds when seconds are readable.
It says 12,41,18
